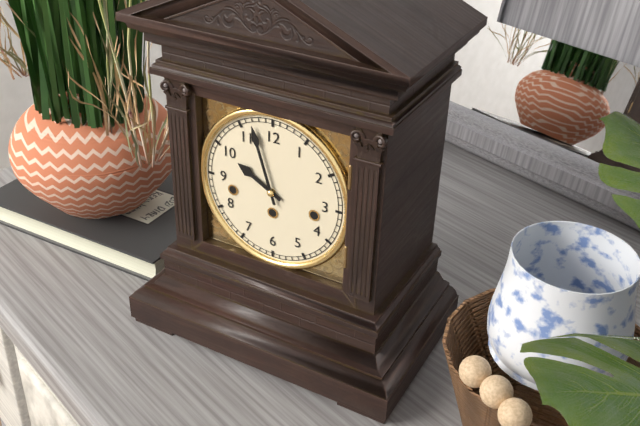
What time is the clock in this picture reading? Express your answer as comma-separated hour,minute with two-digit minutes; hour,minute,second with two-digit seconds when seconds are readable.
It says 9,57
